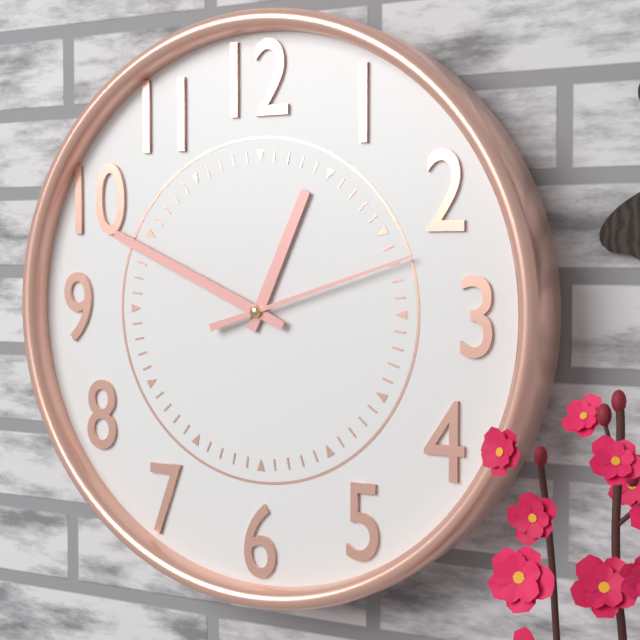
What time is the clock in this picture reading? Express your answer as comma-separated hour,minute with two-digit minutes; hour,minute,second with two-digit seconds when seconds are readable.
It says 12,49,12
